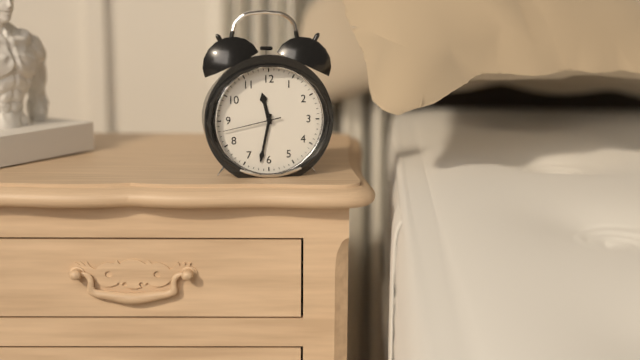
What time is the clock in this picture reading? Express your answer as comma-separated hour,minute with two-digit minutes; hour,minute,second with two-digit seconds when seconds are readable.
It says 11,32,43
